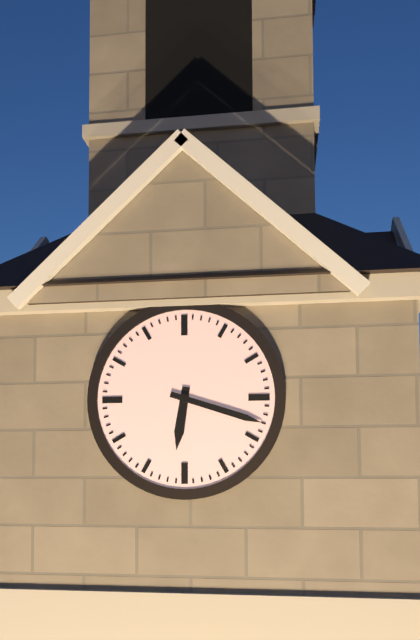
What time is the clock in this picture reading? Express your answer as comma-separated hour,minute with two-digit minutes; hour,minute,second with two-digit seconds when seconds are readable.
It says 6,18
